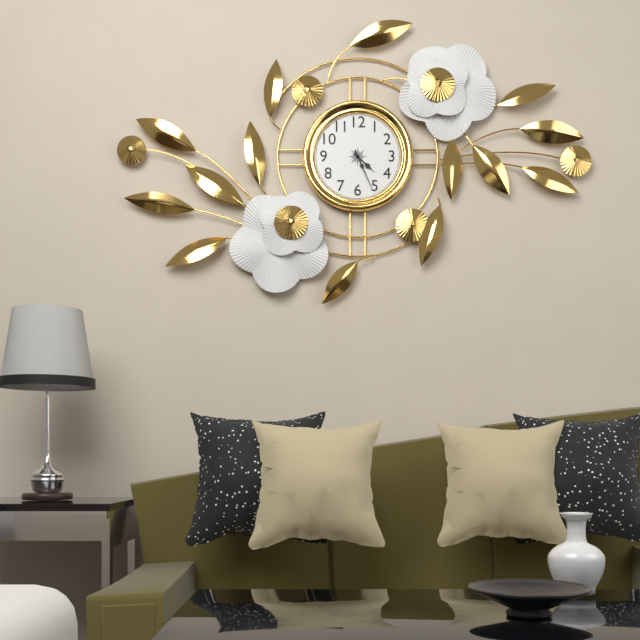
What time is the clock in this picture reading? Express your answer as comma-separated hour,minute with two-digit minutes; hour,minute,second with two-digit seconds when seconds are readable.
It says 4,26
